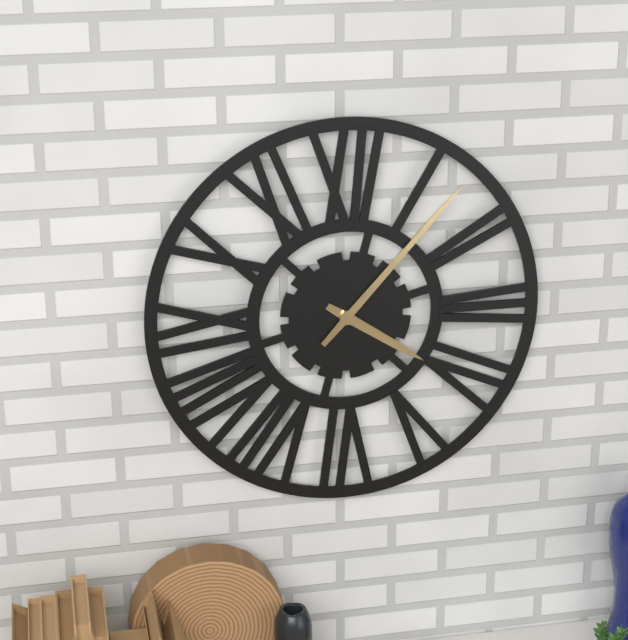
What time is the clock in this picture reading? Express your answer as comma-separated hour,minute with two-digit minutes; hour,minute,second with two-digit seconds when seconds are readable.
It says 4,07
